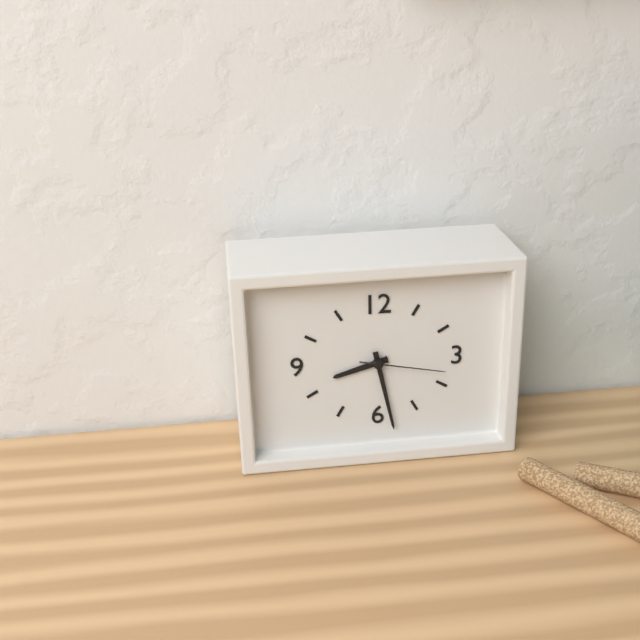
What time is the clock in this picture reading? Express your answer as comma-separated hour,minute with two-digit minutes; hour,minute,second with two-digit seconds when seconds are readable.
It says 8,28,17
